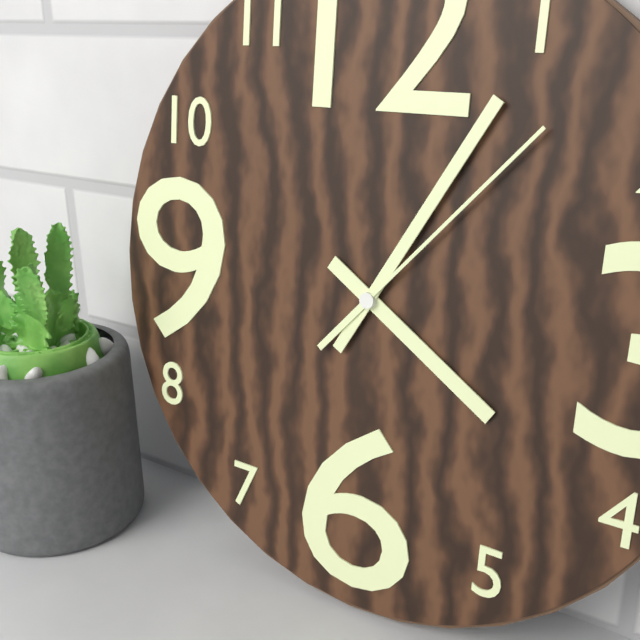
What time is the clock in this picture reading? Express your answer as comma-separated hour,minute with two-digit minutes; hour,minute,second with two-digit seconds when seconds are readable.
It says 4,05,07
